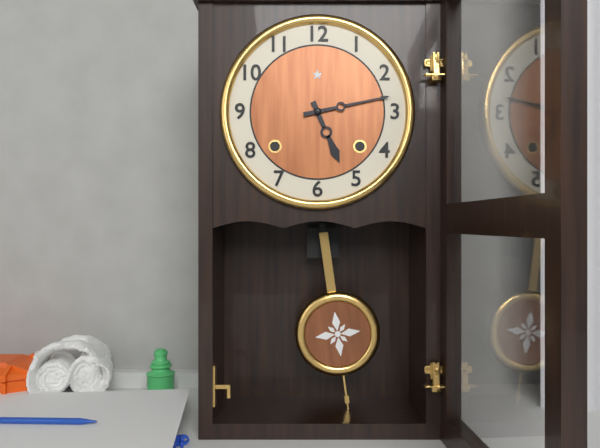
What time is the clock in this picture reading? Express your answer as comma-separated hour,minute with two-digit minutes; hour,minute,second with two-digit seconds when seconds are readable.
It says 5,13
